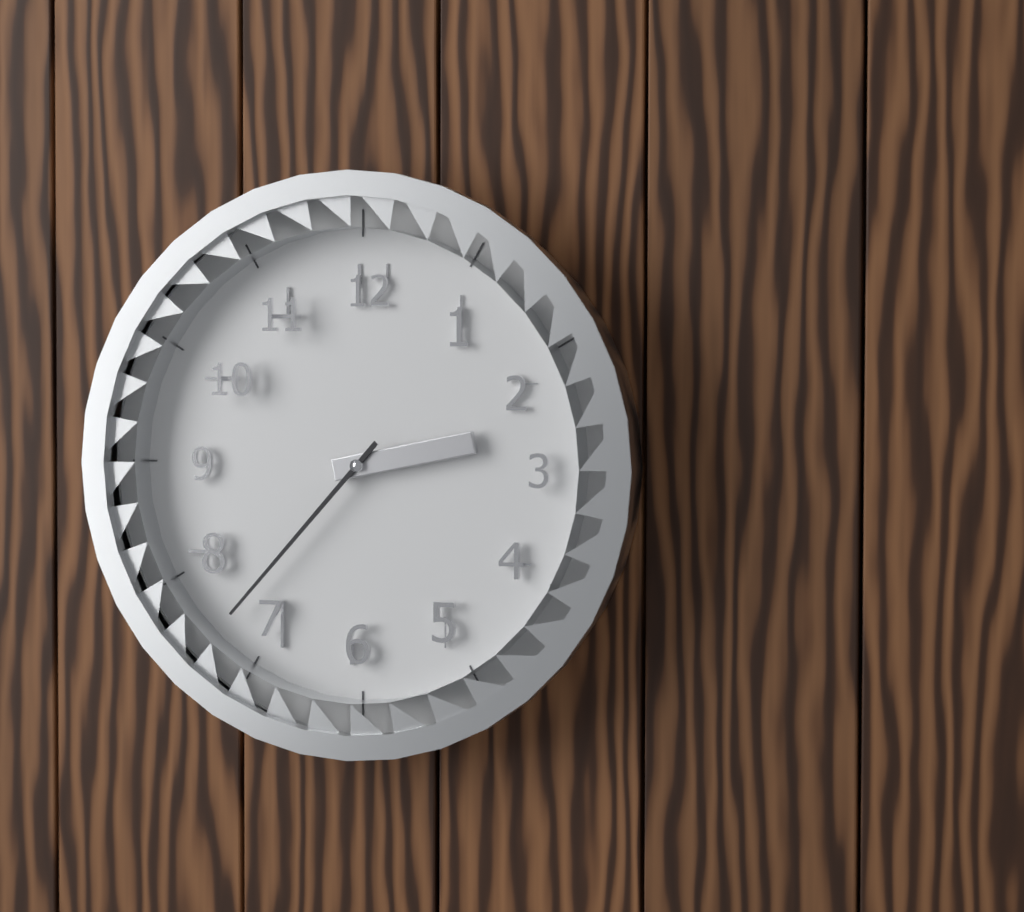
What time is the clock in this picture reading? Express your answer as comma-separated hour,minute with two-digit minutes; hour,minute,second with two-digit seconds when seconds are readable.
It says 2,37
